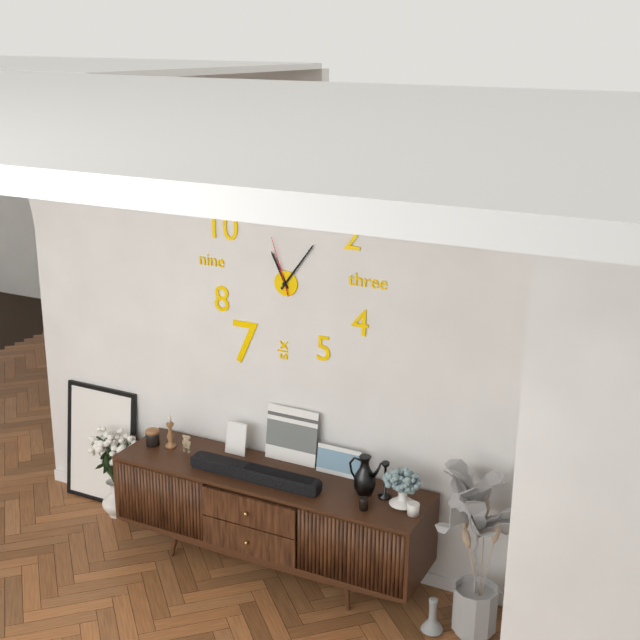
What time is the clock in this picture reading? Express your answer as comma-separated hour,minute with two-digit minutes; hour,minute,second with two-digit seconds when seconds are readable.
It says 11,06,57
